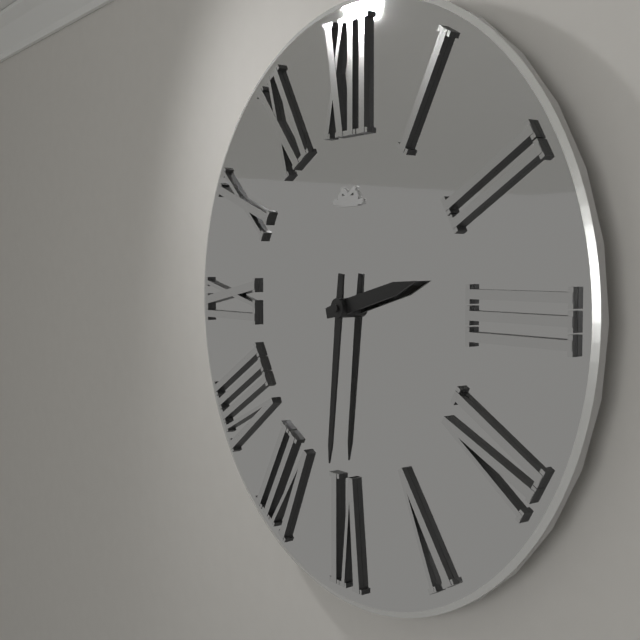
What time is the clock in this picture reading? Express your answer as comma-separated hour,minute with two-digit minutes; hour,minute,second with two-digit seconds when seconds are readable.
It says 2,31
